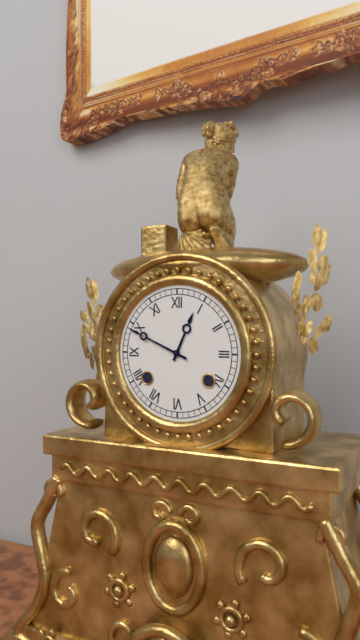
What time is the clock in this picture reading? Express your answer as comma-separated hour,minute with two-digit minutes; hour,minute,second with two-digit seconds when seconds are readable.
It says 12,49
